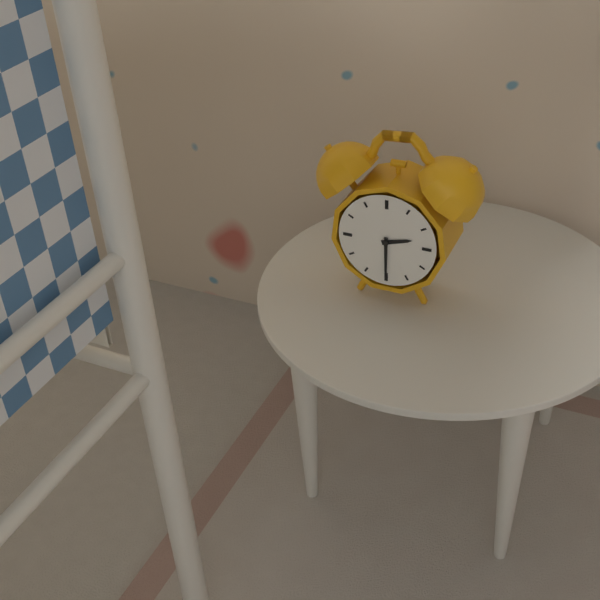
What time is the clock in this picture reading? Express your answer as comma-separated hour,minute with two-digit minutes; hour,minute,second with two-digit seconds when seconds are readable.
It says 2,30
